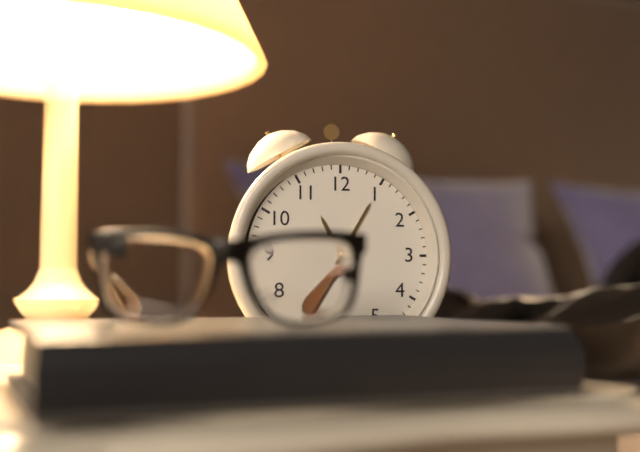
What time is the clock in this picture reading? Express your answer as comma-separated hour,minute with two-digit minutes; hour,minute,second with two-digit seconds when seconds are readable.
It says 11,05
